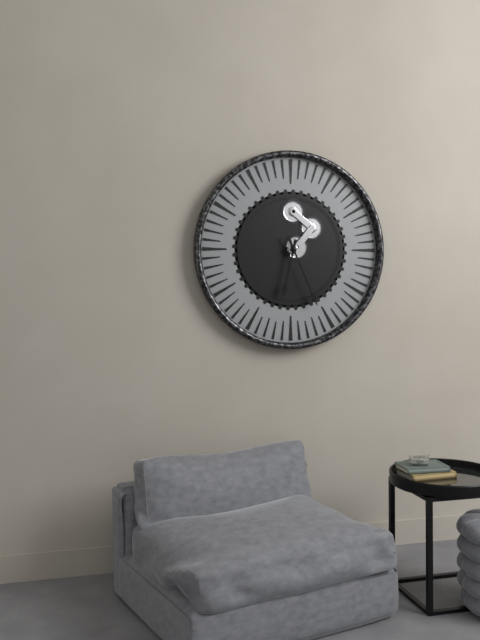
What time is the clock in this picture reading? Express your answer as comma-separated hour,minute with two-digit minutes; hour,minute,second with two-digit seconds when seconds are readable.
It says 6,26
